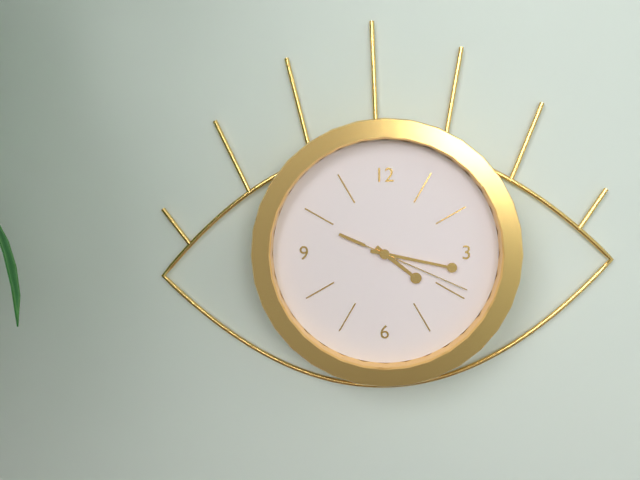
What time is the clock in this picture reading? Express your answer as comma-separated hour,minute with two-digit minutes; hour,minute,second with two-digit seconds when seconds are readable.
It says 4,17,19
